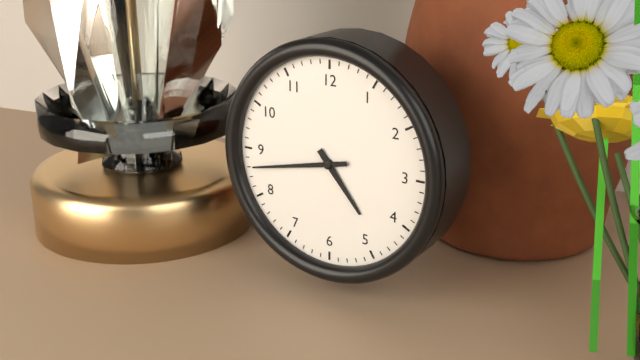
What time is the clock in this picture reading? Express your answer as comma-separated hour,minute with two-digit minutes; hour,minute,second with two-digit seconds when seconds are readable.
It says 4,43
